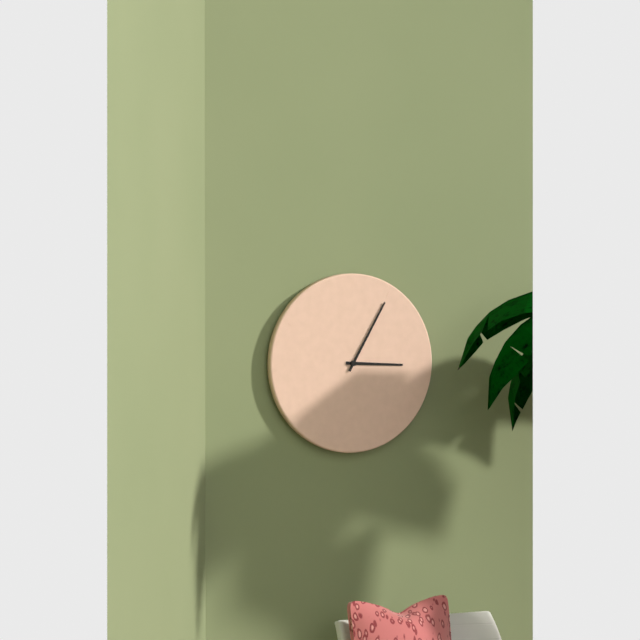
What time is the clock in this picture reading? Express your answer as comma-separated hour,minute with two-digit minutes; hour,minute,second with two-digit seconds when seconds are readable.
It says 3,05
